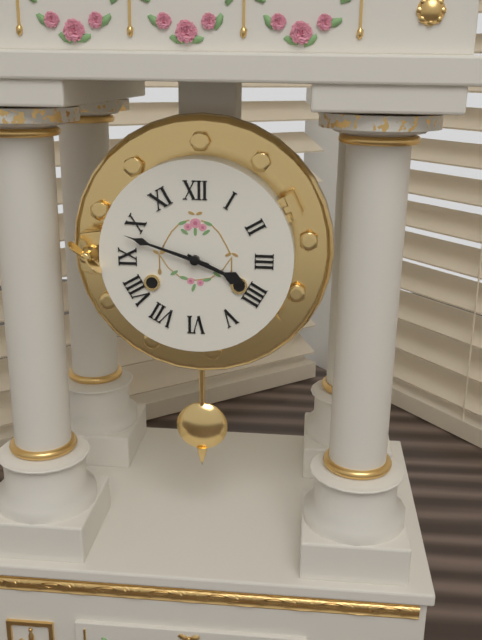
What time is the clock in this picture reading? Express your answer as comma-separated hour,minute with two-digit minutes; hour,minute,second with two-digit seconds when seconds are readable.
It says 3,48
